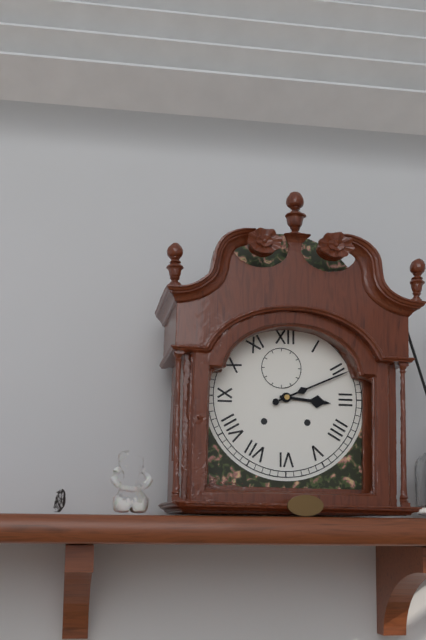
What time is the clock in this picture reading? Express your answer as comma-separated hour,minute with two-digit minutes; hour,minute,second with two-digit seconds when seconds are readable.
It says 3,11
